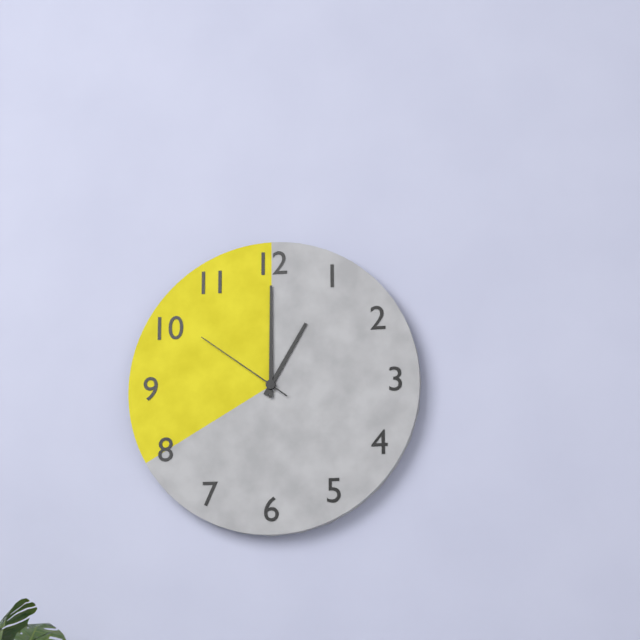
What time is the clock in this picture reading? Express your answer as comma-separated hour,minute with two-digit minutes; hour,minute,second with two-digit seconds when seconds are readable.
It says 1,00,51
